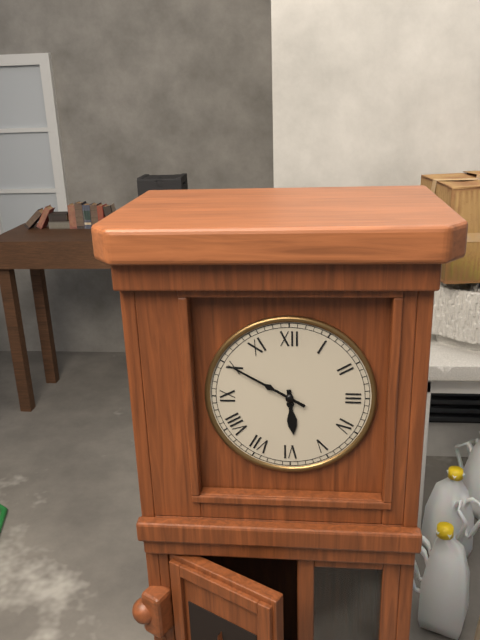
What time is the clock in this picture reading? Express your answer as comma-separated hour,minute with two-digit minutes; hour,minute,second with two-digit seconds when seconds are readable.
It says 5,50
